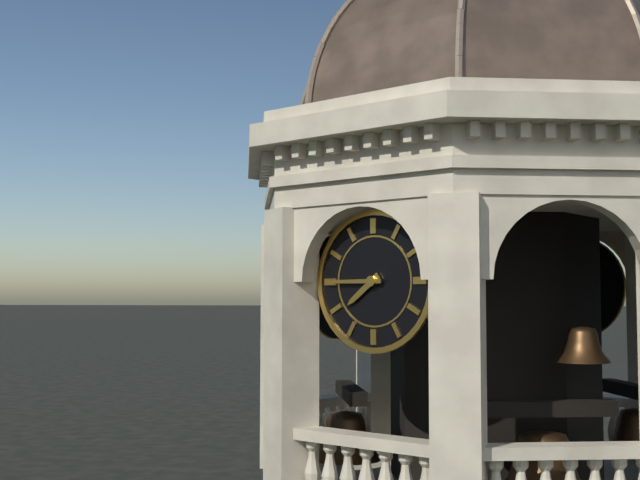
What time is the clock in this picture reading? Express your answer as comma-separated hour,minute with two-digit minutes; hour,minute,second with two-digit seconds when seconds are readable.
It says 7,45
